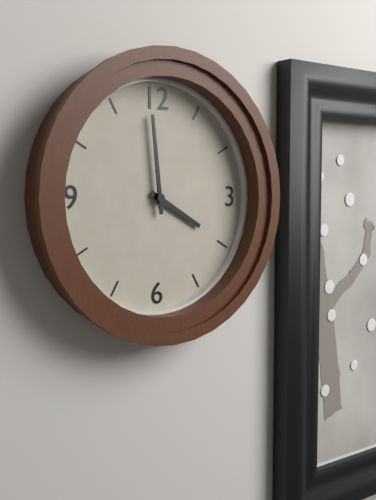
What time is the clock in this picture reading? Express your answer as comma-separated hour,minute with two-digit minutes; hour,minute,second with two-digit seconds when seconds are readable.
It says 3,59
